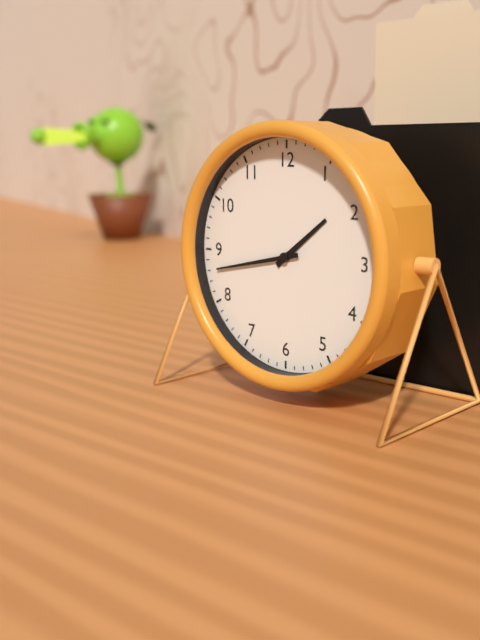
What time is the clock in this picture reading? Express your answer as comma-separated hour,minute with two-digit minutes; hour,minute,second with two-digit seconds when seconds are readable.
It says 1,43
